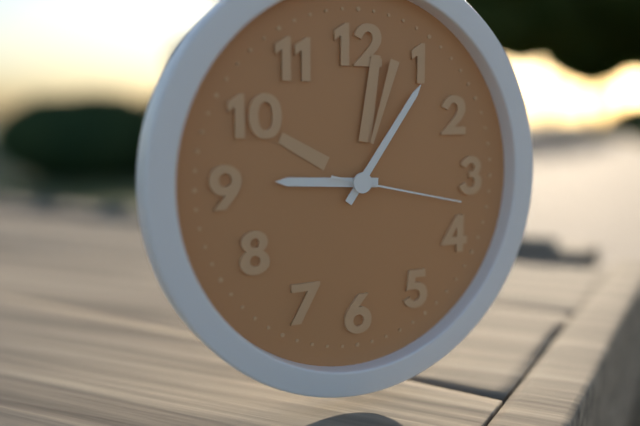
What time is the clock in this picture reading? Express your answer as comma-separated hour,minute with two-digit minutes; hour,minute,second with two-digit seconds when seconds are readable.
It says 9,06,17
